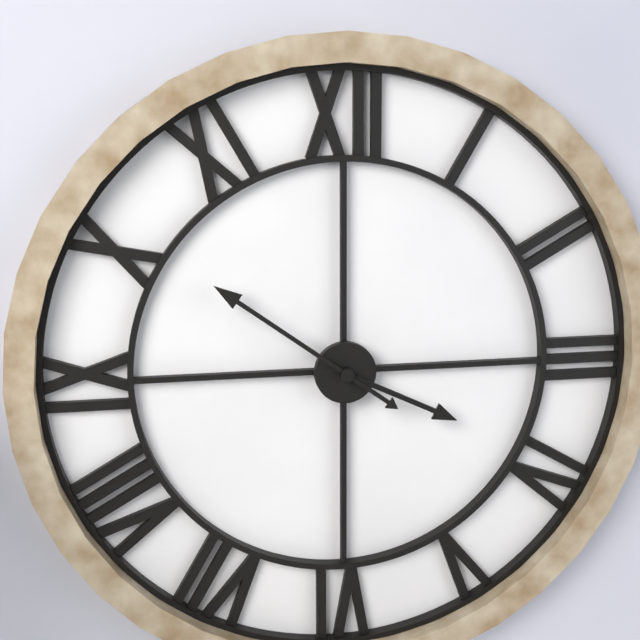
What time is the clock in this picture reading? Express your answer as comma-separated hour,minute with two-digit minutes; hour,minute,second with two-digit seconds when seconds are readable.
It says 3,51
